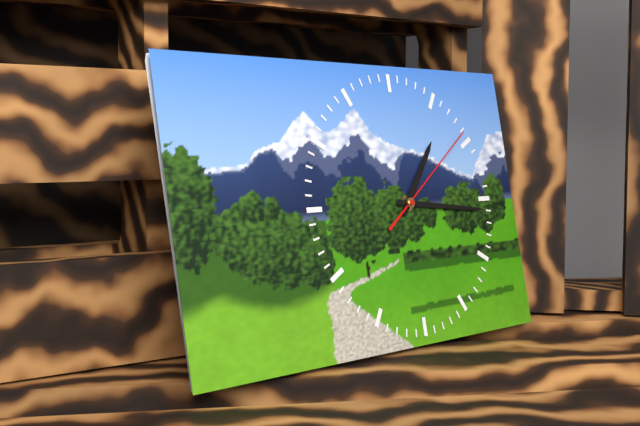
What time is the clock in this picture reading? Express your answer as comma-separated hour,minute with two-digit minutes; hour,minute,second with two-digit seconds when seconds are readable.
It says 1,16,09
